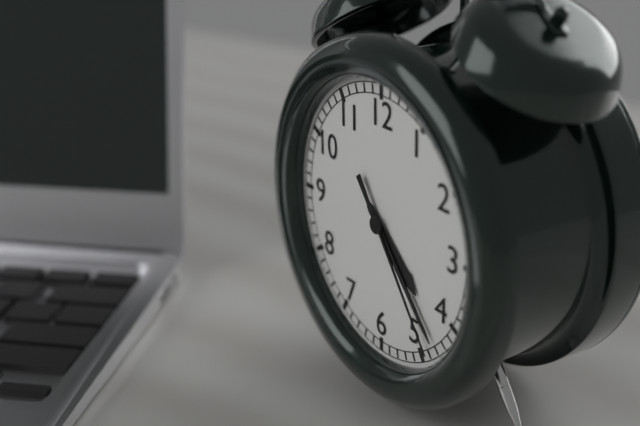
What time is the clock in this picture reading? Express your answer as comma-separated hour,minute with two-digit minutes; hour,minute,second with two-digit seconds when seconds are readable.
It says 4,23,24
